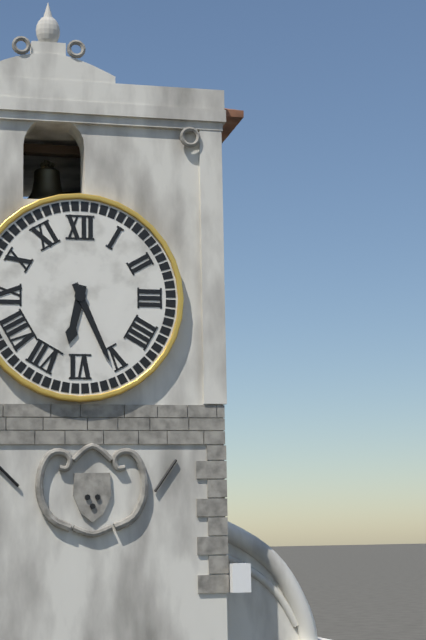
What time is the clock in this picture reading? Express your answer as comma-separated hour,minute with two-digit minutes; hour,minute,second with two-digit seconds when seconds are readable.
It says 6,26
